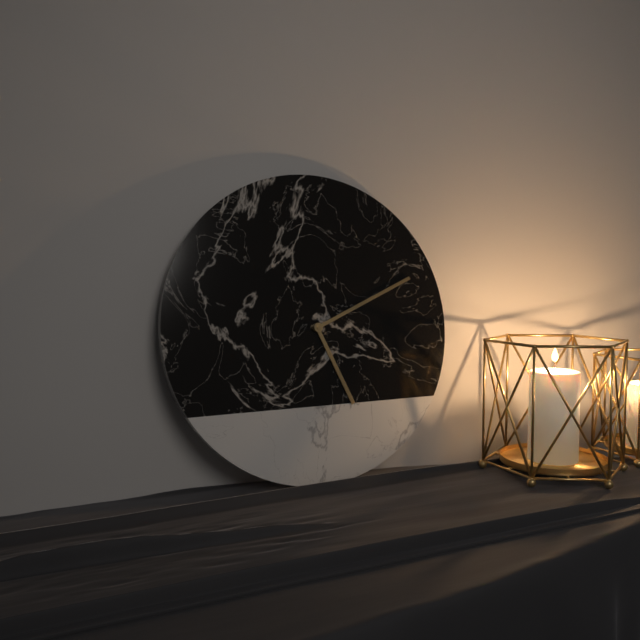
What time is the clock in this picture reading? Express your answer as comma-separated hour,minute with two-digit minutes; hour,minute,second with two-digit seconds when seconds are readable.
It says 5,11
